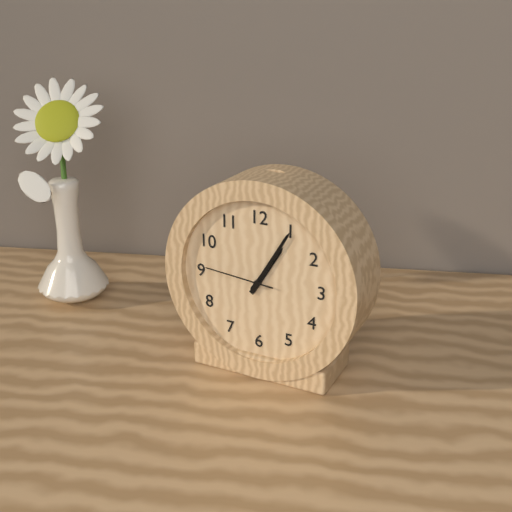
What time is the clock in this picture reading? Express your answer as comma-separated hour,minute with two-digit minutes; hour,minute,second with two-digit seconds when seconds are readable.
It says 1,05,46
